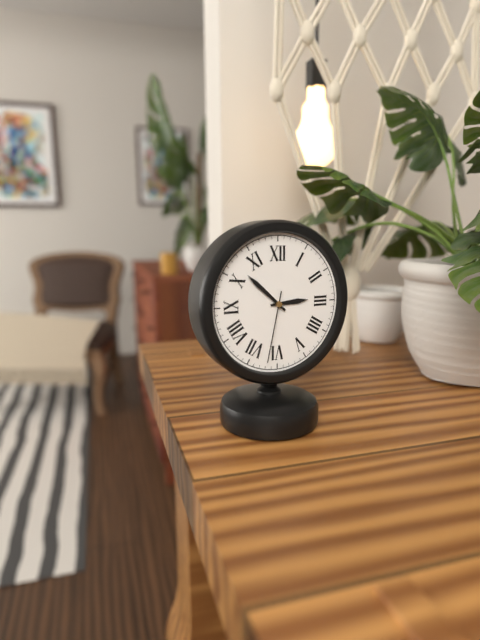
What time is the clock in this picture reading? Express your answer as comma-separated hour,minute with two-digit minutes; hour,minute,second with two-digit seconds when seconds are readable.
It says 2,52,32
